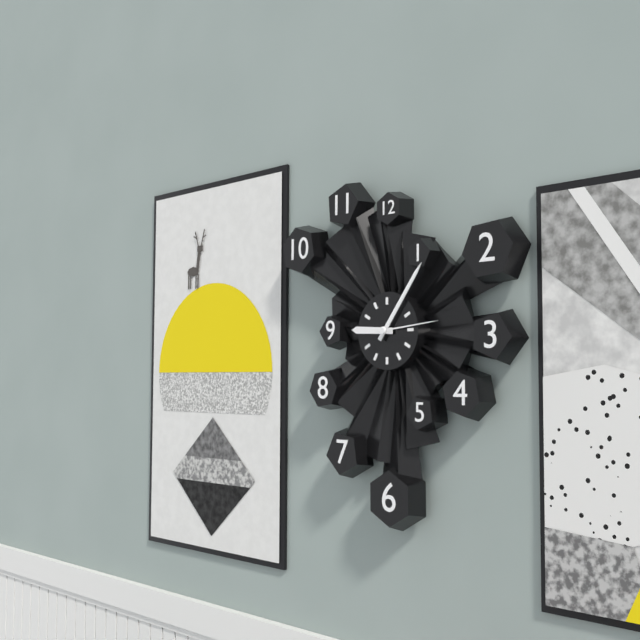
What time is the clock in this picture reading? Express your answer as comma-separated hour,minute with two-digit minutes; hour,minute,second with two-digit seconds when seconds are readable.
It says 9,06,14
